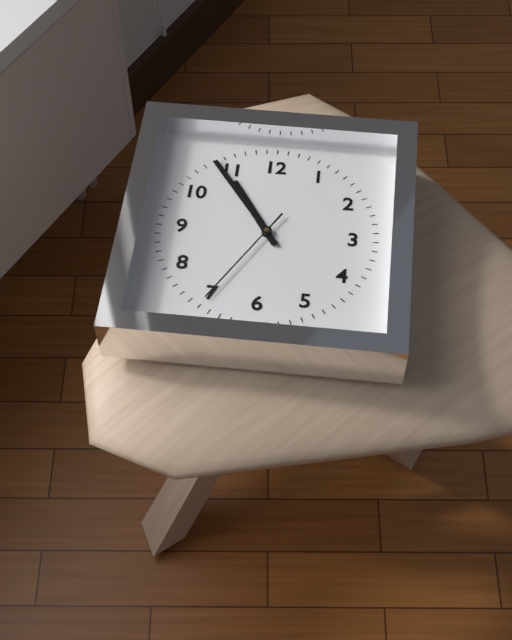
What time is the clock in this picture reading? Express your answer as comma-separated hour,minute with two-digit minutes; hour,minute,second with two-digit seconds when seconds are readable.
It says 10,54,35
